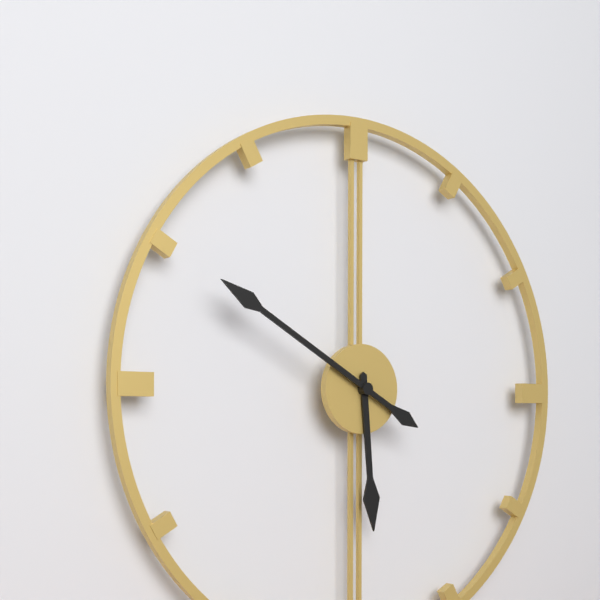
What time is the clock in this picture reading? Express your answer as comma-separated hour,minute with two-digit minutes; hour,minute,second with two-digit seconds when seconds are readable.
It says 5,50
